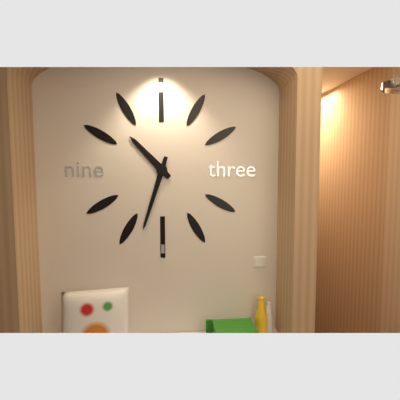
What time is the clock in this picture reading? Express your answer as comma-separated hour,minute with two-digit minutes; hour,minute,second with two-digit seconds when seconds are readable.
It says 10,33
